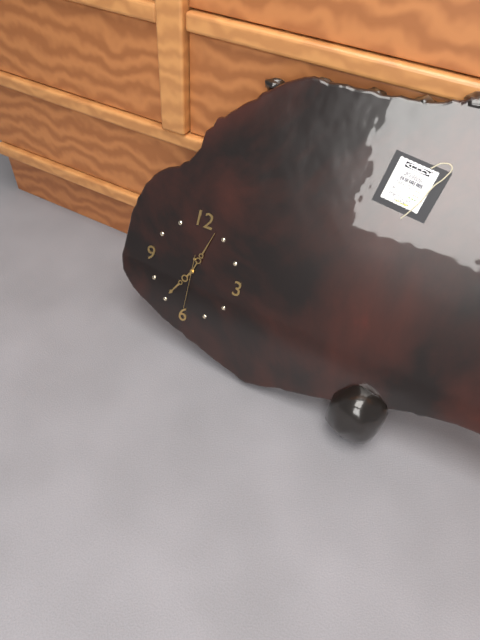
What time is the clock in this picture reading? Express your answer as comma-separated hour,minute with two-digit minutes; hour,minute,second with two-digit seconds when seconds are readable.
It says 7,03
